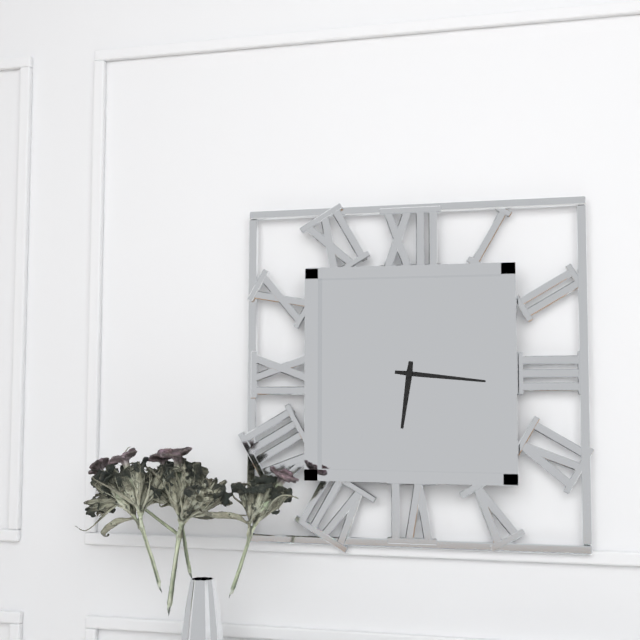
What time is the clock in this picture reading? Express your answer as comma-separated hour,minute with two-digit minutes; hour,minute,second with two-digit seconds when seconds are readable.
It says 6,16
